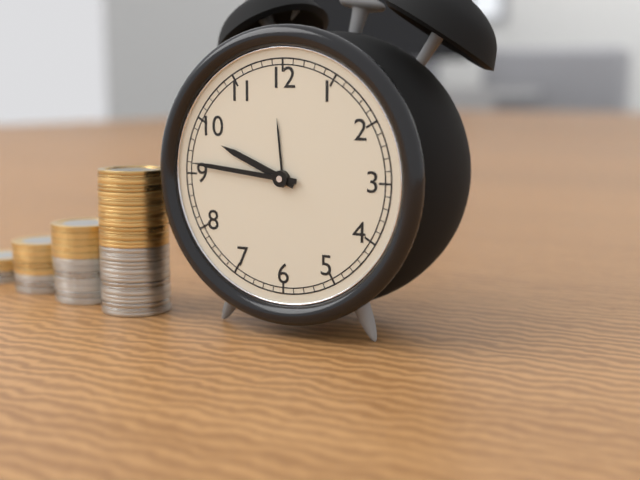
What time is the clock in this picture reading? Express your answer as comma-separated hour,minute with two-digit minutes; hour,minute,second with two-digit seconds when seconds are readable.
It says 9,46
